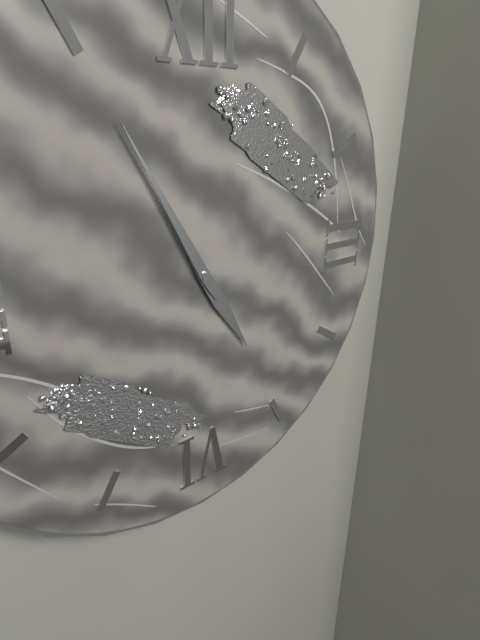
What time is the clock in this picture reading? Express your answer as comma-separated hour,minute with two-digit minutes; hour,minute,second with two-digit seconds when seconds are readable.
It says 4,55
